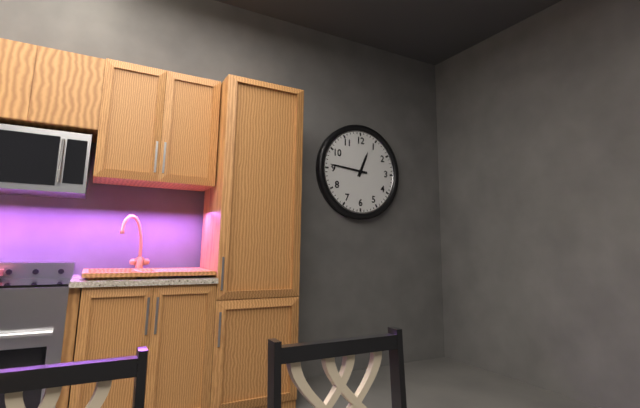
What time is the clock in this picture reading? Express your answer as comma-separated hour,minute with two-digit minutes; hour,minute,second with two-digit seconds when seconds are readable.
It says 12,46
